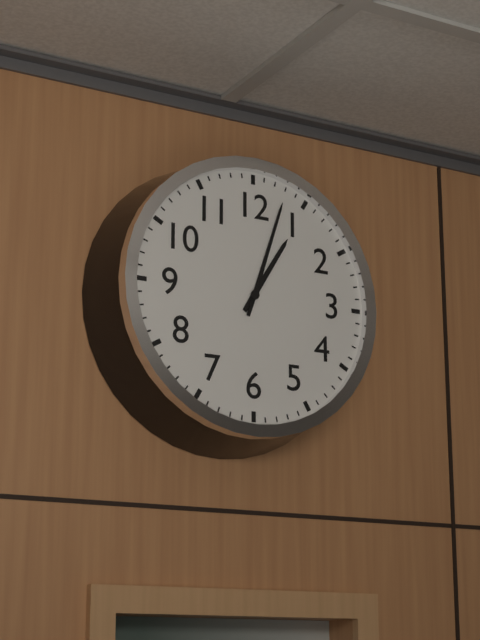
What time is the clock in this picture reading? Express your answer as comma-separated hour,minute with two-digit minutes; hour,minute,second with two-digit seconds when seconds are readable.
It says 1,03
